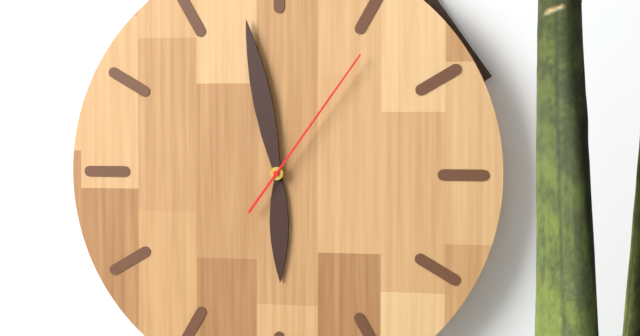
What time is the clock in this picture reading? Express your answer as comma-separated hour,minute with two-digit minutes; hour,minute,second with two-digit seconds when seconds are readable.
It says 5,58,06
